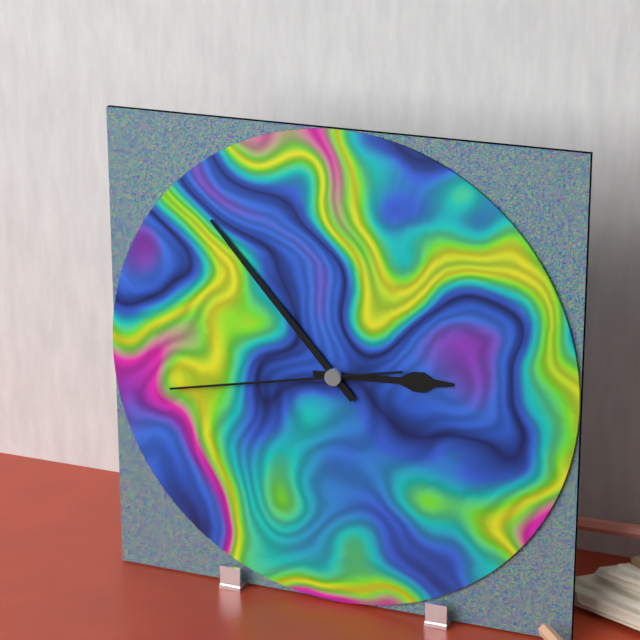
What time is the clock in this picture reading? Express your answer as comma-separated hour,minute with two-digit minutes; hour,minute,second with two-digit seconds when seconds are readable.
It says 2,53,43
